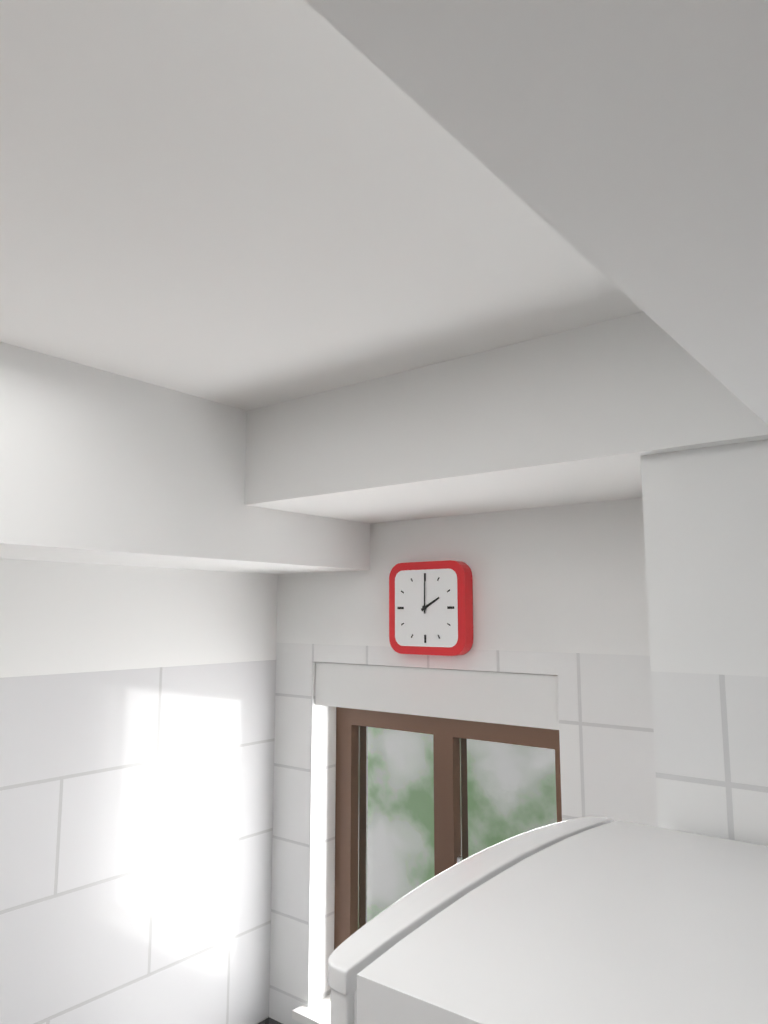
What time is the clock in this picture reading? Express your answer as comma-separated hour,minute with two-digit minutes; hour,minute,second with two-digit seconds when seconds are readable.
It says 2,00
